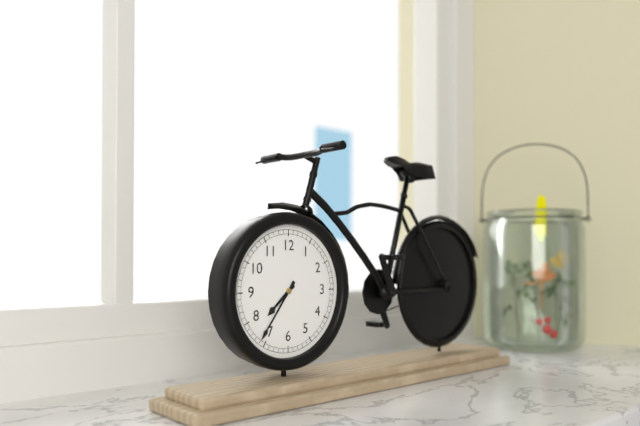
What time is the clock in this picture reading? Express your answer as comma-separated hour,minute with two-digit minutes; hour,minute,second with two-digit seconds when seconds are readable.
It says 7,36
